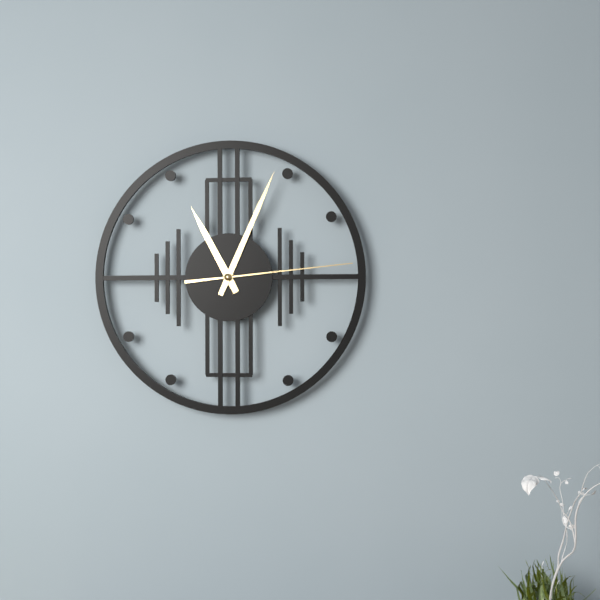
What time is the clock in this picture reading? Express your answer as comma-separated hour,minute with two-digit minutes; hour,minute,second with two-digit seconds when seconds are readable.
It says 11,04,14
